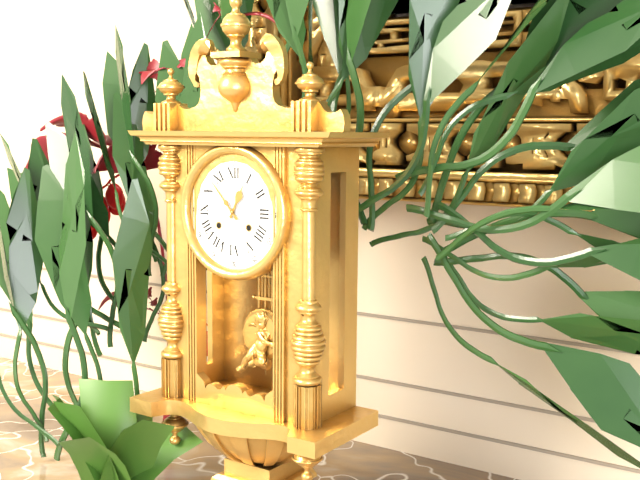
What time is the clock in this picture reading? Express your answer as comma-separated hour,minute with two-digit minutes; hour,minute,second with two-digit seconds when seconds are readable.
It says 12,53
